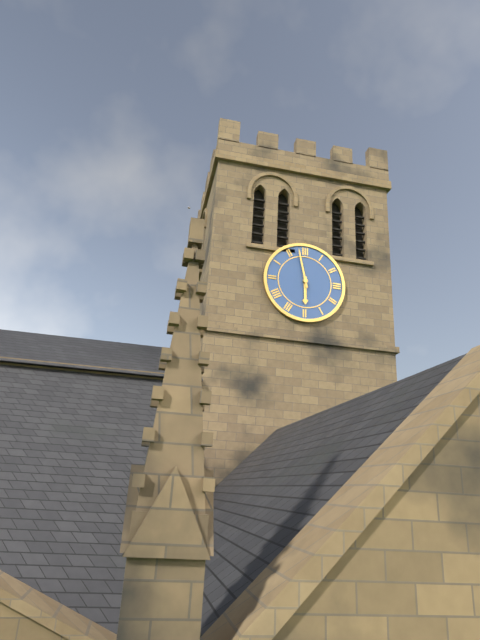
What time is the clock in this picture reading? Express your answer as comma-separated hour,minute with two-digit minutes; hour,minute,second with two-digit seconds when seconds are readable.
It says 5,58
